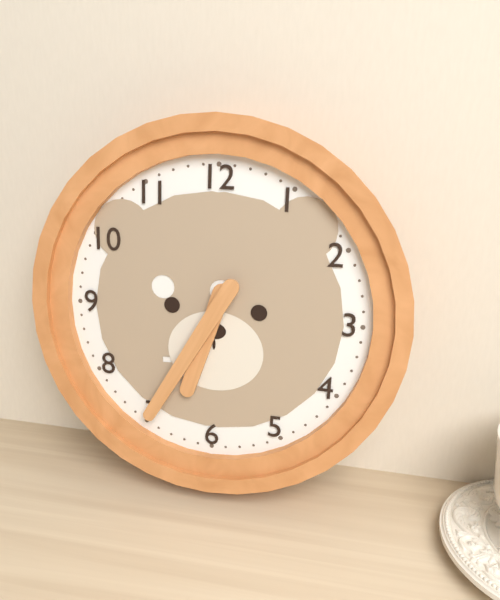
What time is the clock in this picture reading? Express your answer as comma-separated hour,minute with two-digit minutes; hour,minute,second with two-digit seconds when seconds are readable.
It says 6,35
